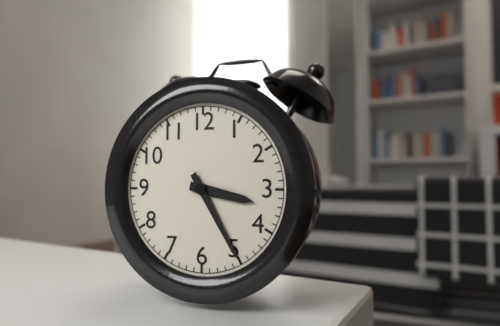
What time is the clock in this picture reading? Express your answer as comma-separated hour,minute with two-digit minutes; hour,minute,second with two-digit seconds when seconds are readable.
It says 3,25
